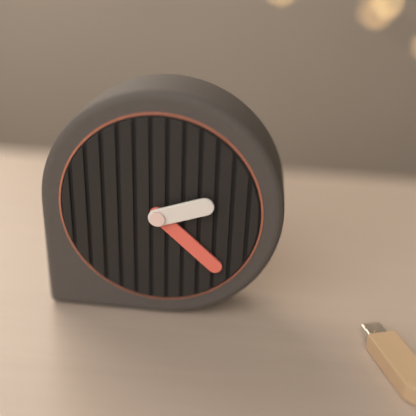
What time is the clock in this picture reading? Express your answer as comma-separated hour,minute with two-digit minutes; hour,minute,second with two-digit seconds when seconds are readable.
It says 2,22
